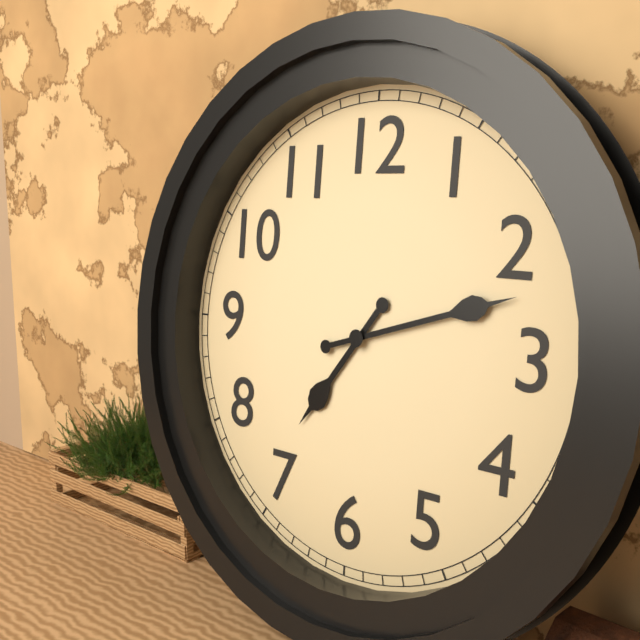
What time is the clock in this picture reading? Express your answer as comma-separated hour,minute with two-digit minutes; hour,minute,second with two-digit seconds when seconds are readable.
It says 7,12
